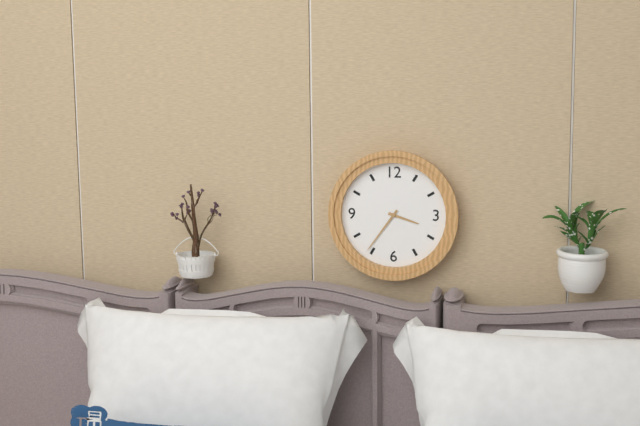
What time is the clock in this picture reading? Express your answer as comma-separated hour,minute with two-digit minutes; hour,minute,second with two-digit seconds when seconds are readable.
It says 3,36
